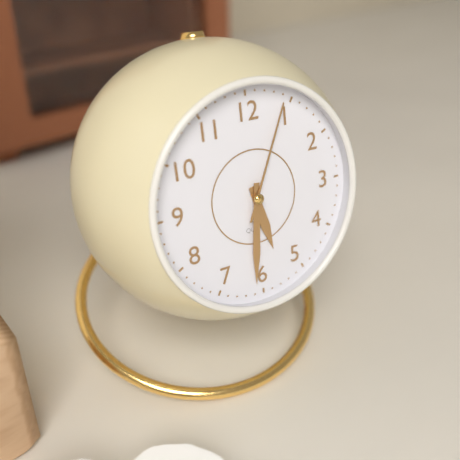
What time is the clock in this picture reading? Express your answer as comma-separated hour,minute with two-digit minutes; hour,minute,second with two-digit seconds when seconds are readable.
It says 5,31,04
